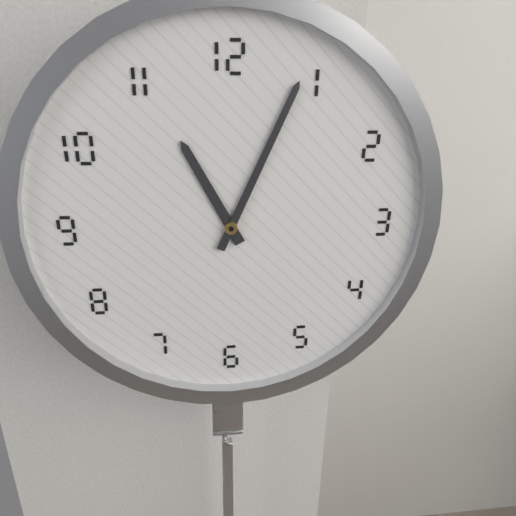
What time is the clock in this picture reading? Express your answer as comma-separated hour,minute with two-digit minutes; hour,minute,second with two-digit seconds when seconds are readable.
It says 11,04
